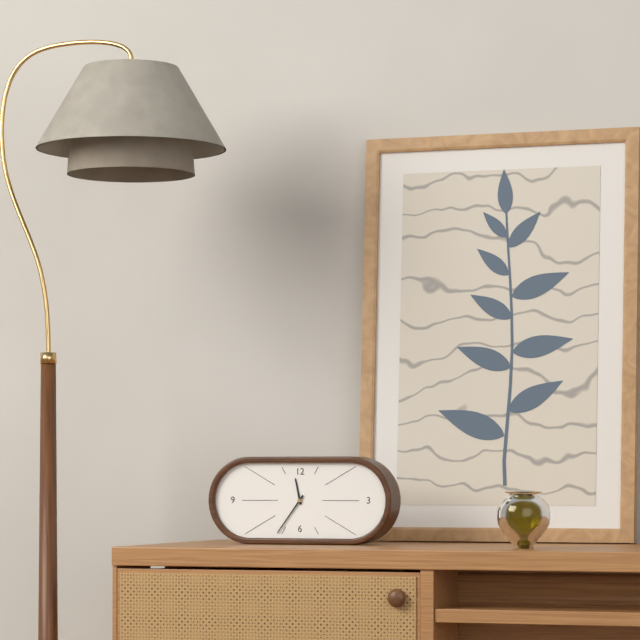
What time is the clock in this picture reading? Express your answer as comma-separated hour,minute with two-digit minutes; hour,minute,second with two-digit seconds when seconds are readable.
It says 11,36
